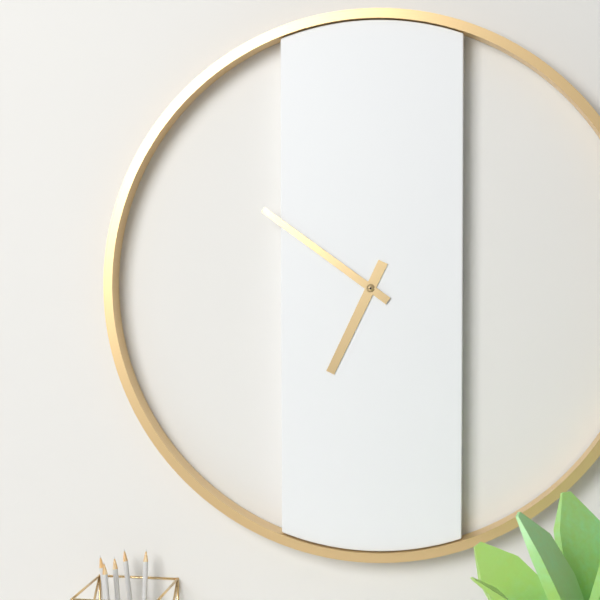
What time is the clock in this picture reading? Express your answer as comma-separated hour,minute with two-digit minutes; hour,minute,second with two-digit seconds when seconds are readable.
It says 6,51
